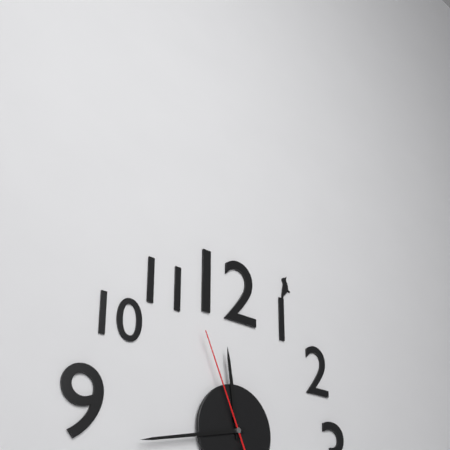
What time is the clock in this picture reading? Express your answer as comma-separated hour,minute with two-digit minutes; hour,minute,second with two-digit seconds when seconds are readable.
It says 11,43,56
